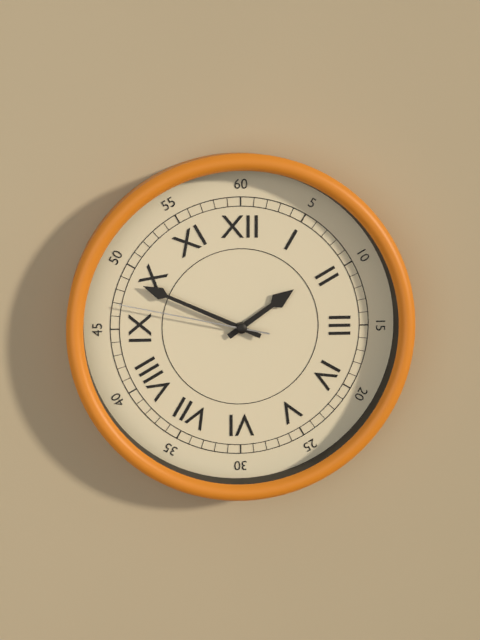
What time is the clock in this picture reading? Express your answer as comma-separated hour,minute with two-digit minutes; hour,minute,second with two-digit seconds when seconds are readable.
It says 1,49,47
